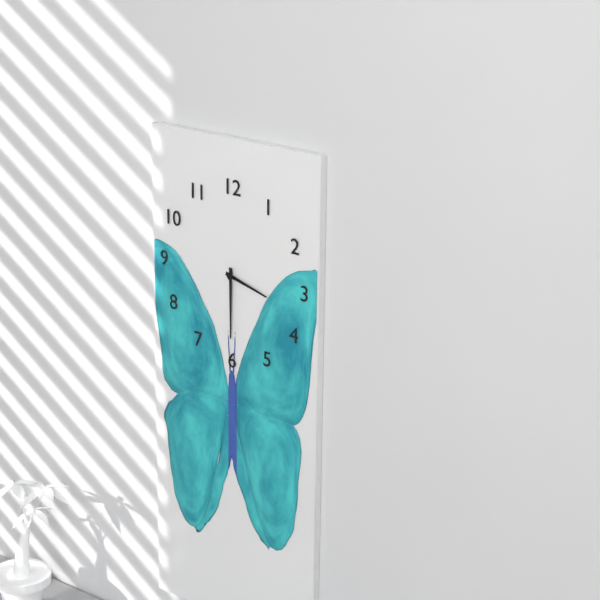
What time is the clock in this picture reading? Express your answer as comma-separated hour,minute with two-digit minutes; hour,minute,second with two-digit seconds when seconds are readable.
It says 3,30
